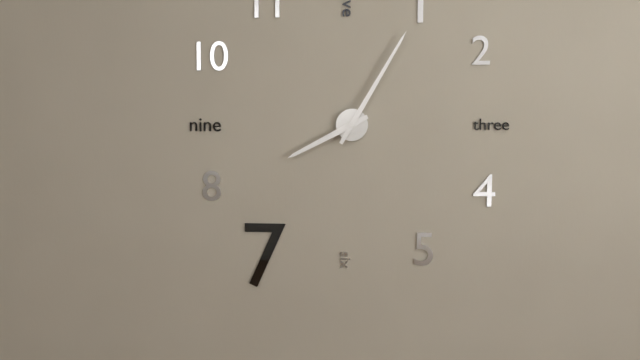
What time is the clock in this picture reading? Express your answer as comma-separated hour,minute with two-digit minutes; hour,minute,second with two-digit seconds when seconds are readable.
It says 8,05
